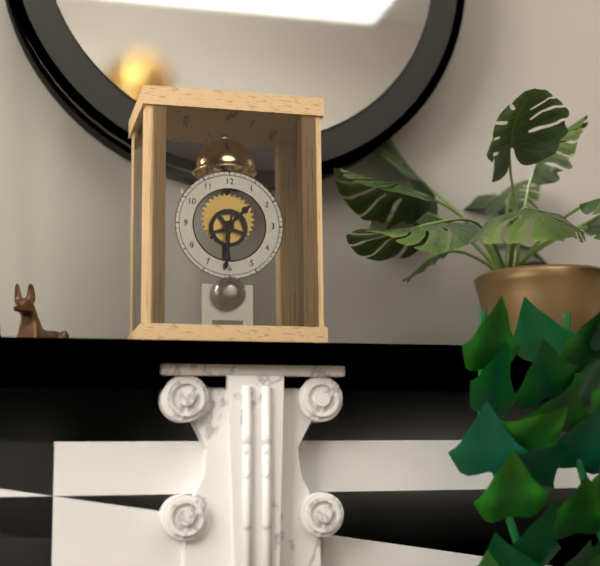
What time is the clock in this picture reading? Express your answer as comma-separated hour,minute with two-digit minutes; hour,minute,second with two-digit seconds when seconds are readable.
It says 1,31
